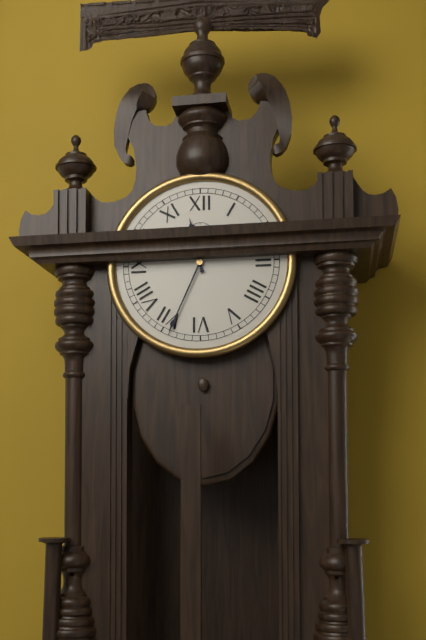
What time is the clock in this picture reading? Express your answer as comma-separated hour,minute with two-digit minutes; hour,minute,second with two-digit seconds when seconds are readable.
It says 11,34
